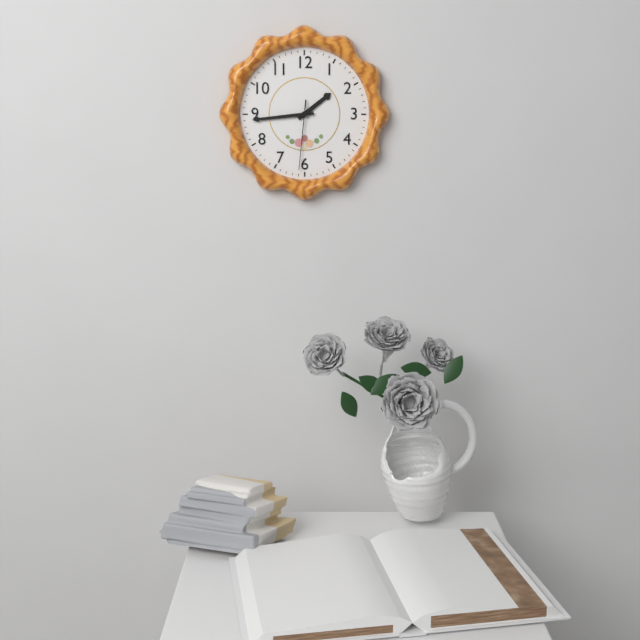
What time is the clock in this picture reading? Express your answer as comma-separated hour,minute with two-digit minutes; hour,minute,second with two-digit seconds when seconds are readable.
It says 1,44,31
